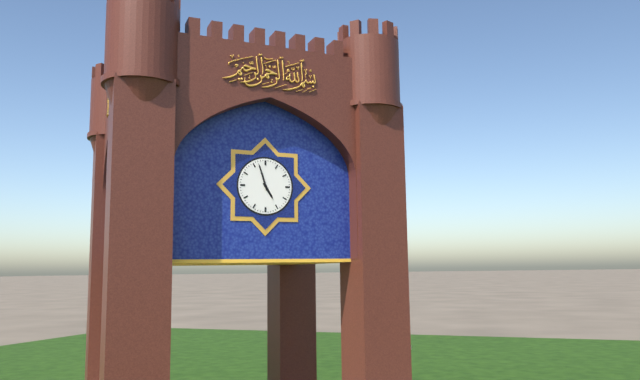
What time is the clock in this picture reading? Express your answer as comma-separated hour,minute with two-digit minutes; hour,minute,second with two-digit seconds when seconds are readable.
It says 4,57
